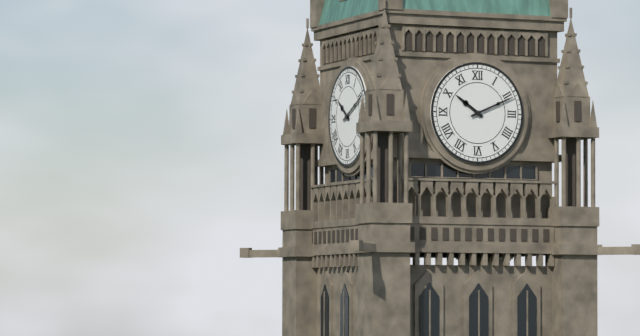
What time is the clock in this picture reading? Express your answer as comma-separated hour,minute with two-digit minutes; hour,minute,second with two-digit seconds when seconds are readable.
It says 10,11
